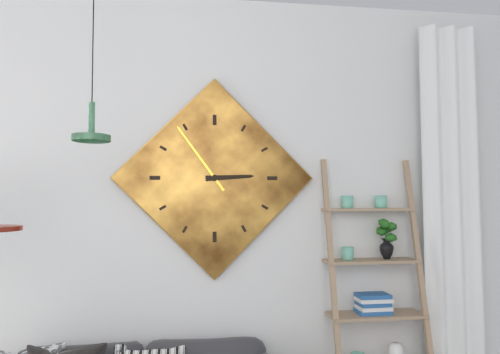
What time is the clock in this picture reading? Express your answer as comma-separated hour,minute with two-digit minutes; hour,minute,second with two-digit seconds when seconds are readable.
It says 2,54
